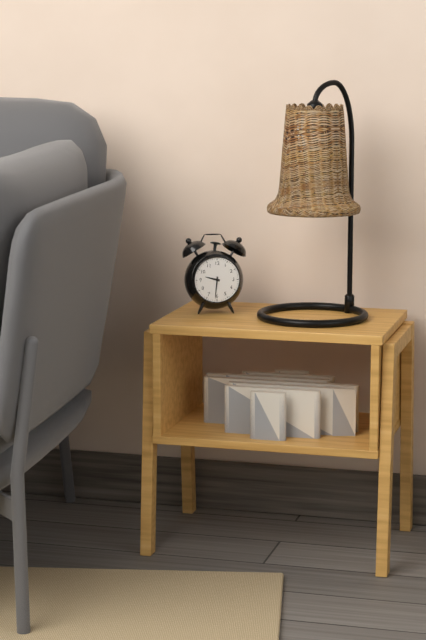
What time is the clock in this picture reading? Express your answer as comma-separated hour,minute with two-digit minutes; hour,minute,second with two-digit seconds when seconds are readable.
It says 9,31
